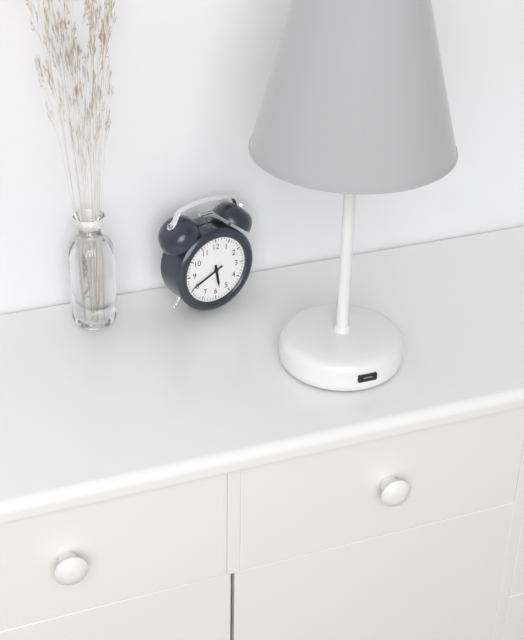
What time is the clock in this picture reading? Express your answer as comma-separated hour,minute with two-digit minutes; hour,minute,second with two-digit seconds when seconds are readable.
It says 5,41
